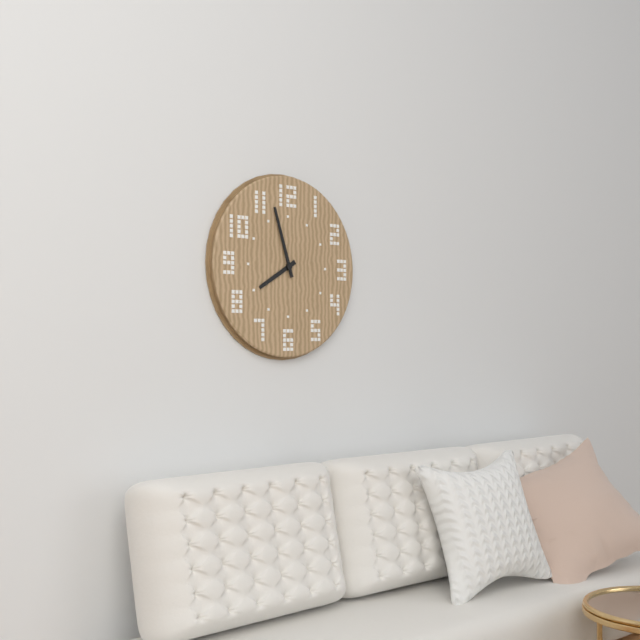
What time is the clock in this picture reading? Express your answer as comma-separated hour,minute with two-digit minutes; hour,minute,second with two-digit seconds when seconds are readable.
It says 7,57
